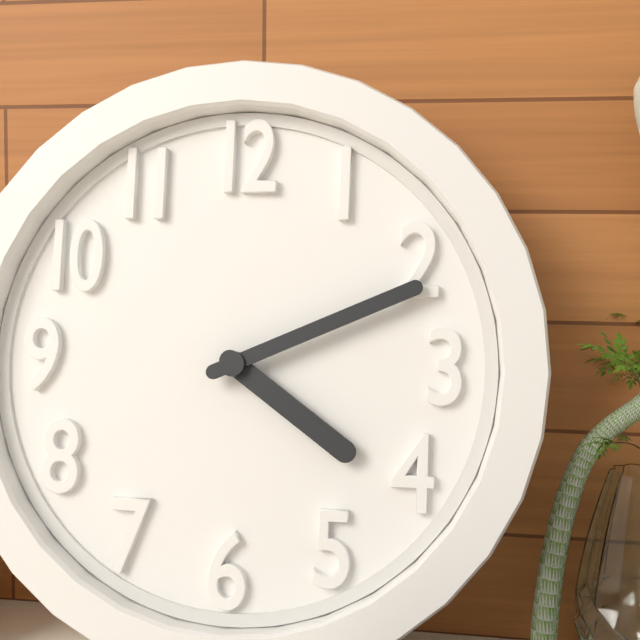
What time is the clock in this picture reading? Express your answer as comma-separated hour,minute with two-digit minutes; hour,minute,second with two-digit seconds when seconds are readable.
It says 4,11
